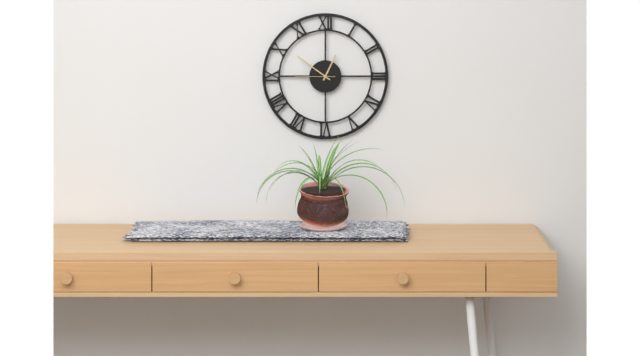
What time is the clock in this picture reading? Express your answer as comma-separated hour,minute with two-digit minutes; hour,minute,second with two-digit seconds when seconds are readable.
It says 12,51
